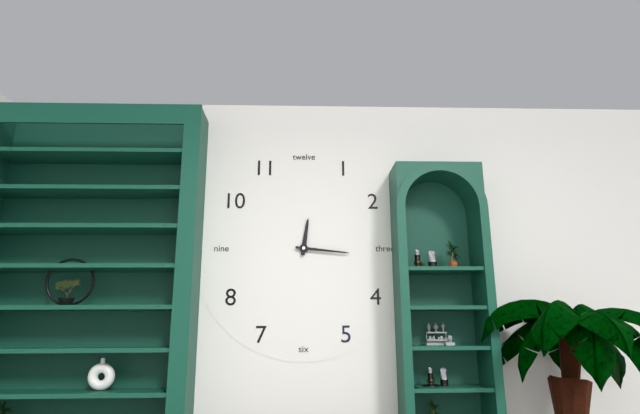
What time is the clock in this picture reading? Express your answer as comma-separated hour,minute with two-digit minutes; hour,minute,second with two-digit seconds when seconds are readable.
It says 12,16
